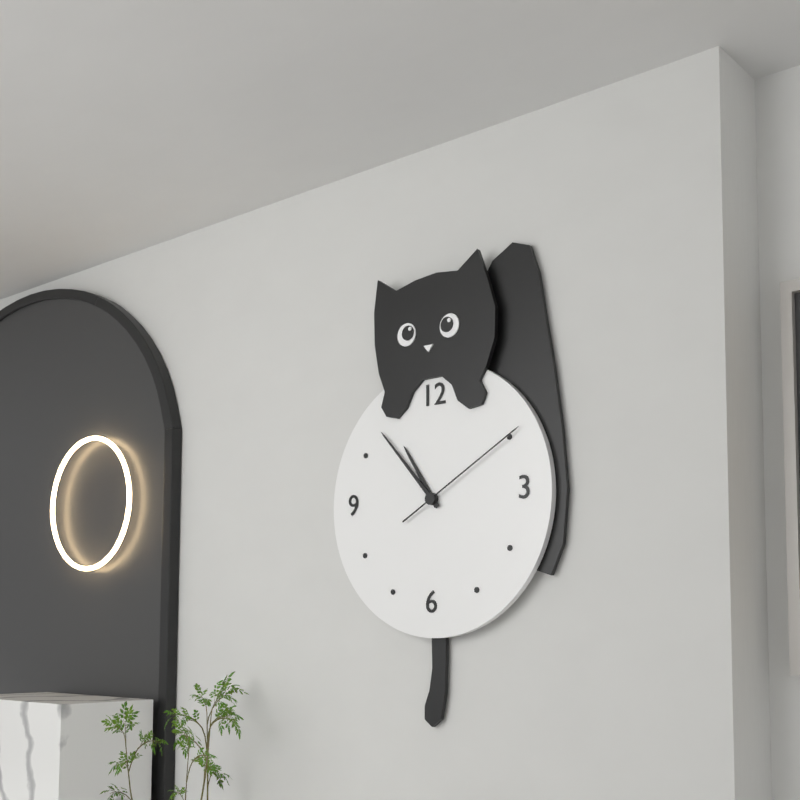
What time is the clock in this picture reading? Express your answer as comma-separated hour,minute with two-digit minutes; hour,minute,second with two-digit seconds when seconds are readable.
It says 10,53,10
